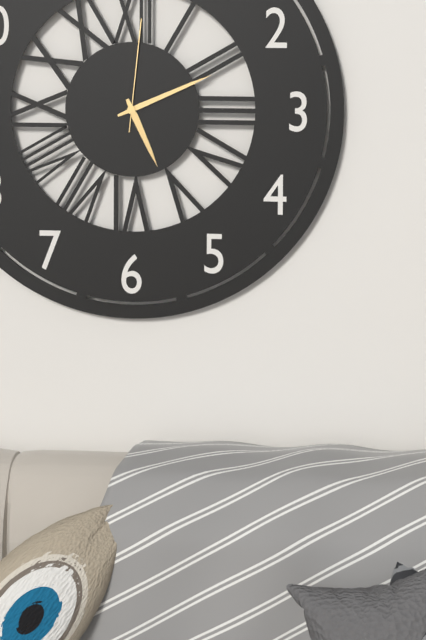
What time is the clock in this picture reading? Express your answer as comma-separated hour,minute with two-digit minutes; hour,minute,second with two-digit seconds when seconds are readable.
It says 5,11,01
